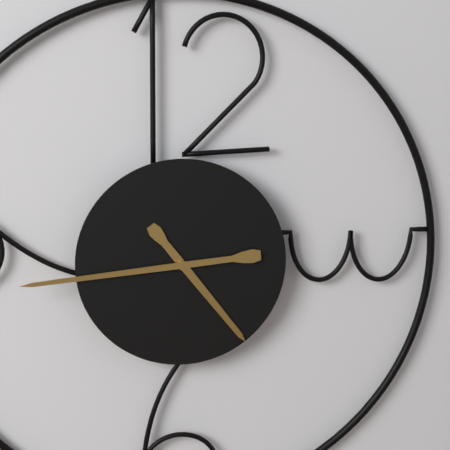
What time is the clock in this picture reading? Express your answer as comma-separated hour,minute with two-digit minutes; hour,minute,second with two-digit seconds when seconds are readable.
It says 4,44
